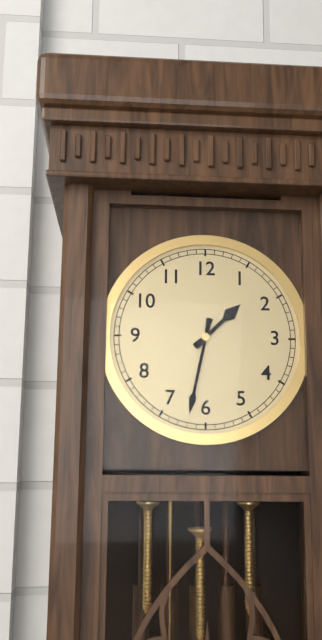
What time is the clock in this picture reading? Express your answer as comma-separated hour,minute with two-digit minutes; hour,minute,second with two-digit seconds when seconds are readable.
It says 1,32
